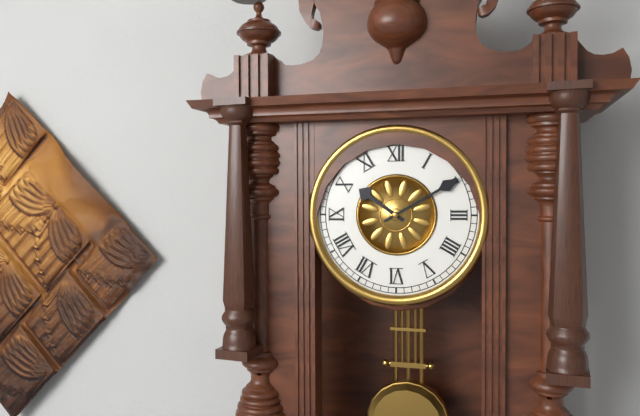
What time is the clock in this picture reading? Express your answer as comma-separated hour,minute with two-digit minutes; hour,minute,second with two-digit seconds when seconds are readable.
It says 10,10
